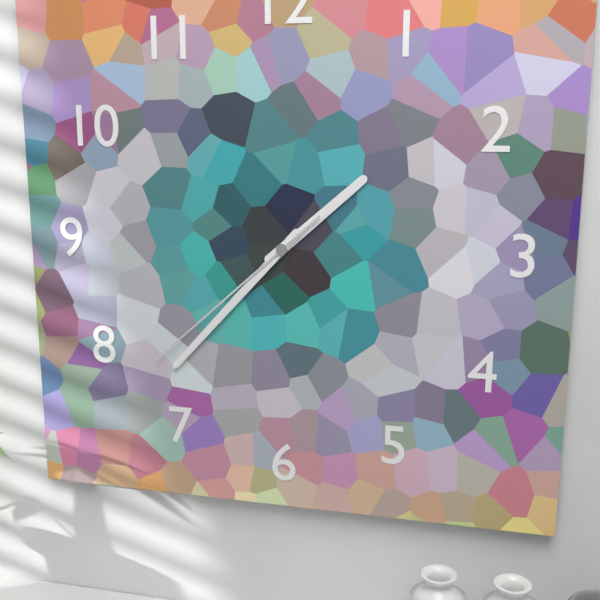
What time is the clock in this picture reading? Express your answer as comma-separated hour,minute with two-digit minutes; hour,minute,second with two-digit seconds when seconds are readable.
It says 1,37,38
